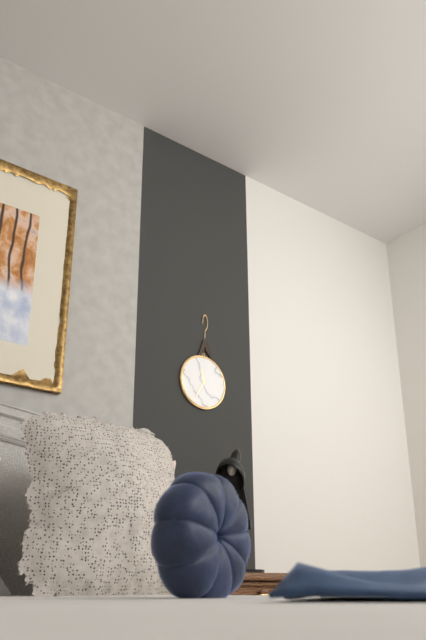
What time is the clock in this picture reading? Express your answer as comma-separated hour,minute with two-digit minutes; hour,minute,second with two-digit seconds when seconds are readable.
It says 11,35
